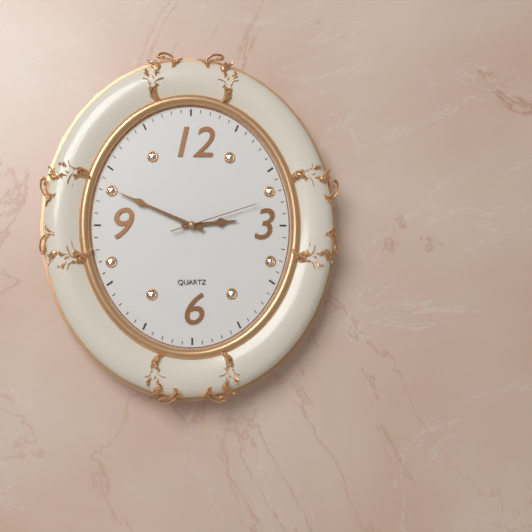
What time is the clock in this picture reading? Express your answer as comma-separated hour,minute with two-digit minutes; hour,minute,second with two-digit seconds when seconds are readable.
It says 2,49,12
